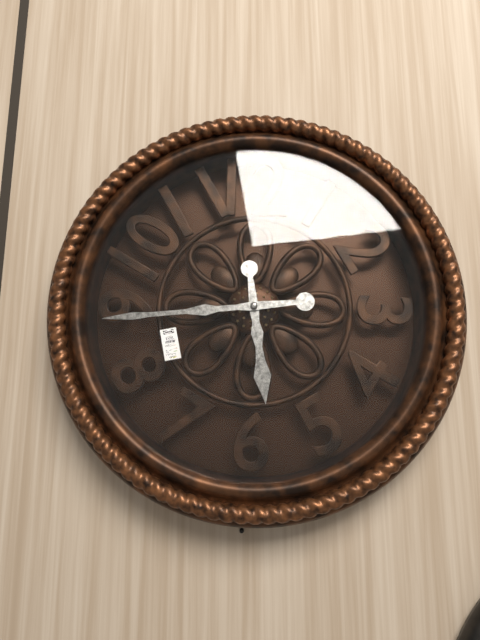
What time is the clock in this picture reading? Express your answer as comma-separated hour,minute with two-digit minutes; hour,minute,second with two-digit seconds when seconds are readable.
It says 5,44
